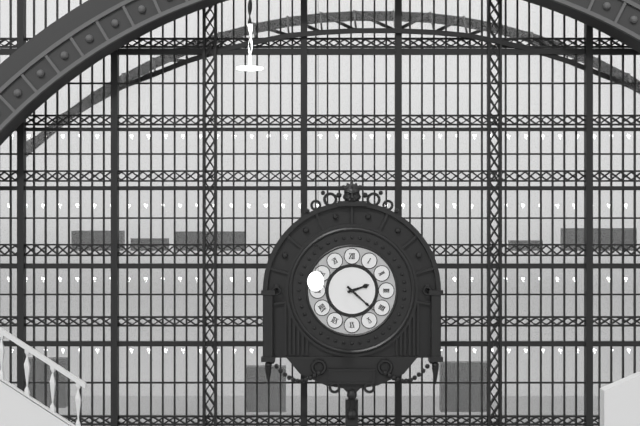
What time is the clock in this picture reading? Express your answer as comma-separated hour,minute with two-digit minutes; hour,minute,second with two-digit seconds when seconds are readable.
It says 2,22
